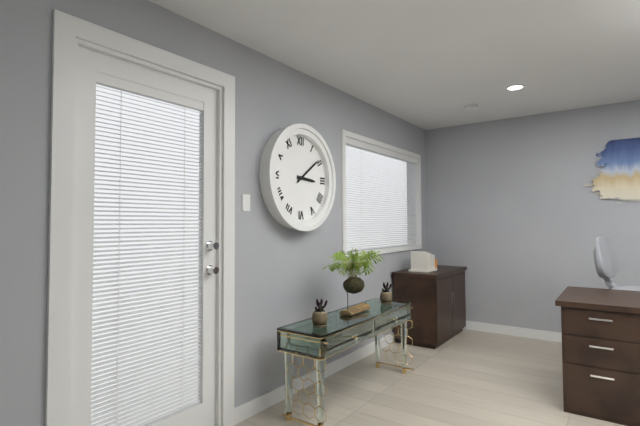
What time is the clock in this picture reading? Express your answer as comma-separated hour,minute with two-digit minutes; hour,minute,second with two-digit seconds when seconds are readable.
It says 3,09
